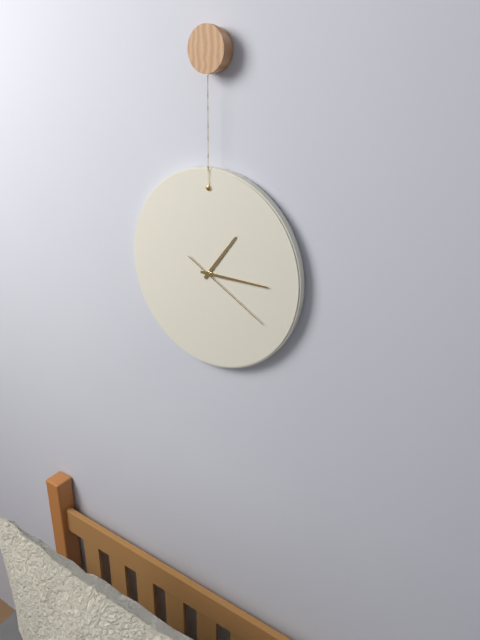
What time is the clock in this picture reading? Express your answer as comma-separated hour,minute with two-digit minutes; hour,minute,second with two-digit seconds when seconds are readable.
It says 1,15,20
